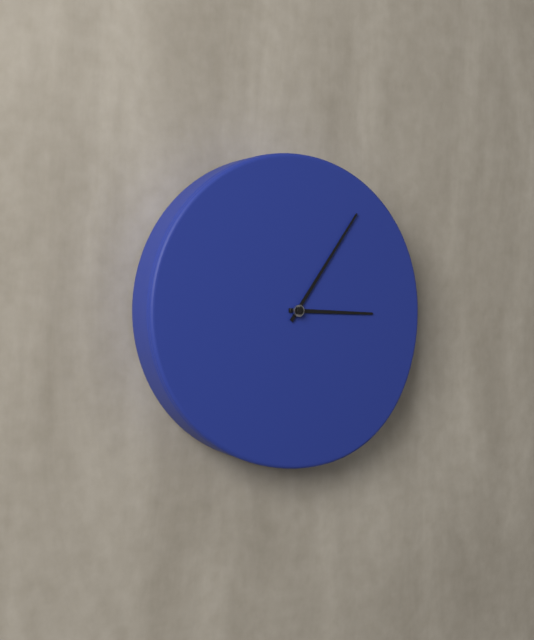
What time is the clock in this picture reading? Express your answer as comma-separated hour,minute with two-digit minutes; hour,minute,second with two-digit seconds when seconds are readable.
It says 3,06
